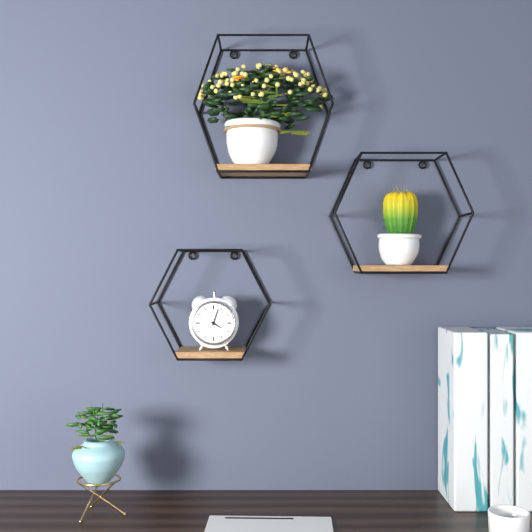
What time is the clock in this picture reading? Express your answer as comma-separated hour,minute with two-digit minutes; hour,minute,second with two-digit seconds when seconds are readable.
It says 4,03
